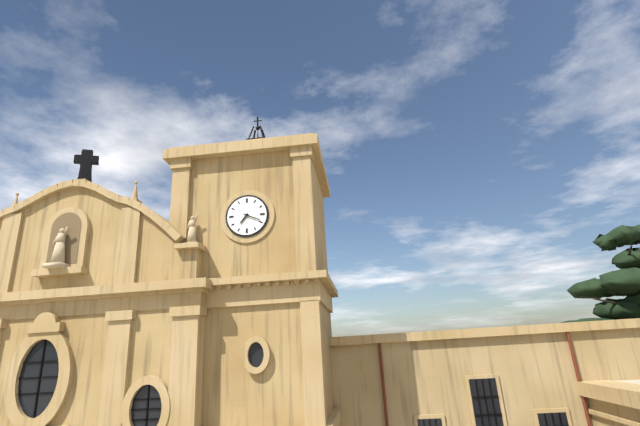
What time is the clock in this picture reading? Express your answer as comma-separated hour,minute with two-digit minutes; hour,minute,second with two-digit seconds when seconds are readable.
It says 7,19
